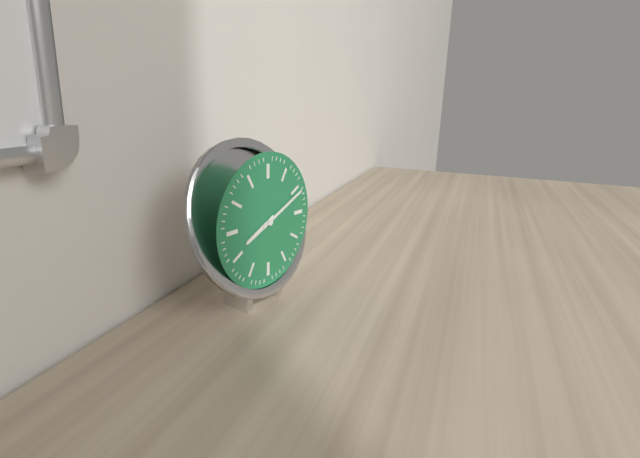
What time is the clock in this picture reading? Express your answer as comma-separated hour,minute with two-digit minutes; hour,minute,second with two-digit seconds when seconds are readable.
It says 8,11
